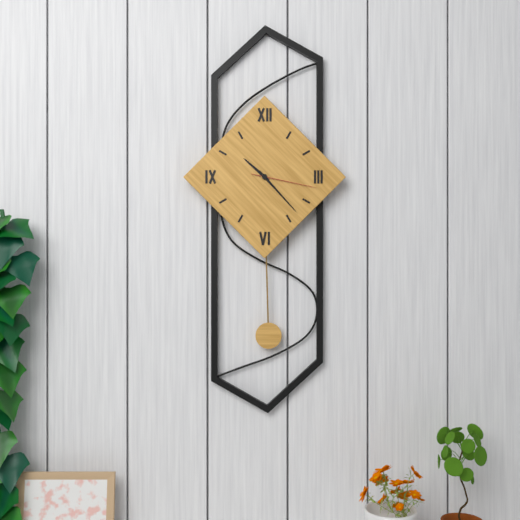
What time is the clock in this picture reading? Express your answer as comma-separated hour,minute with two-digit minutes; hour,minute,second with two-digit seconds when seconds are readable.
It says 10,23,17
